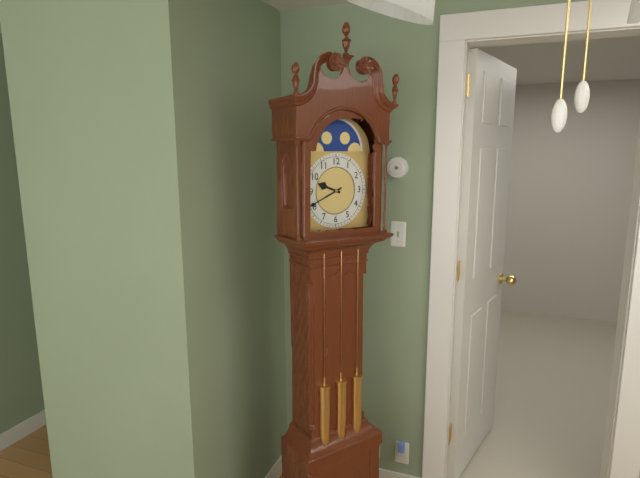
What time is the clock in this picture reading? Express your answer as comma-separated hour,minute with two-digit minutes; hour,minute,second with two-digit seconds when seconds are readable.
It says 9,41
